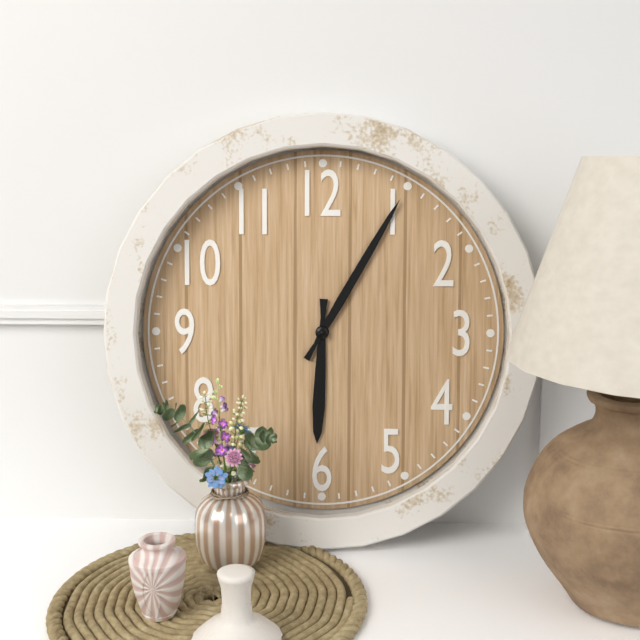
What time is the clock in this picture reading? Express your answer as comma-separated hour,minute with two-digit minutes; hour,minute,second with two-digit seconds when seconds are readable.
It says 6,05
